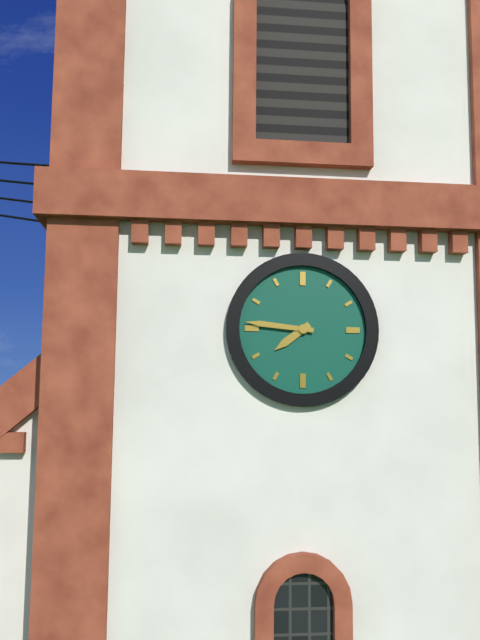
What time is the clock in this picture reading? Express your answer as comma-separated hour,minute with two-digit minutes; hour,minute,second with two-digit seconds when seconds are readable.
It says 7,46
